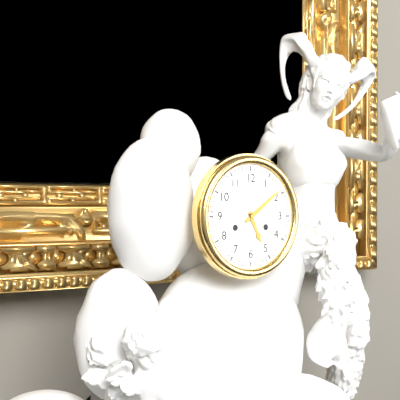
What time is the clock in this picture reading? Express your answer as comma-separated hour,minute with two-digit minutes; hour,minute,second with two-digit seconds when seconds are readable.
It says 5,09
